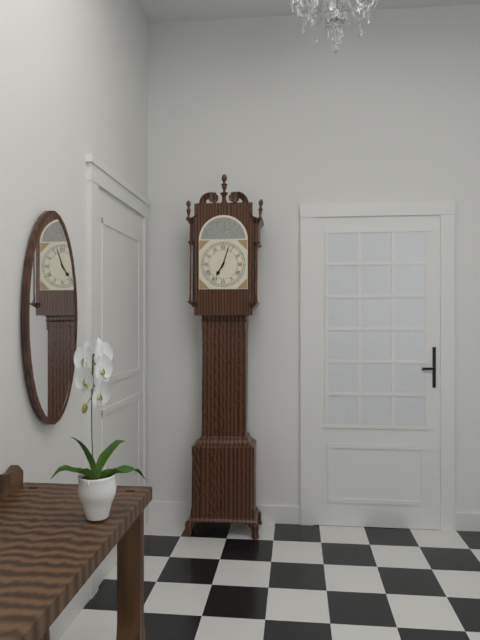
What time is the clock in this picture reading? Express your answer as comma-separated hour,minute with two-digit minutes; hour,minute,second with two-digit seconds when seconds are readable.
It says 7,03
